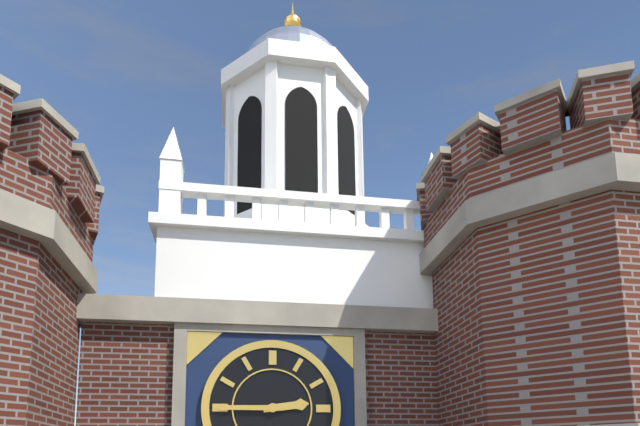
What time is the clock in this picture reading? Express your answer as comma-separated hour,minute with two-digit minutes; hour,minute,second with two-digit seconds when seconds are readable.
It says 2,45
